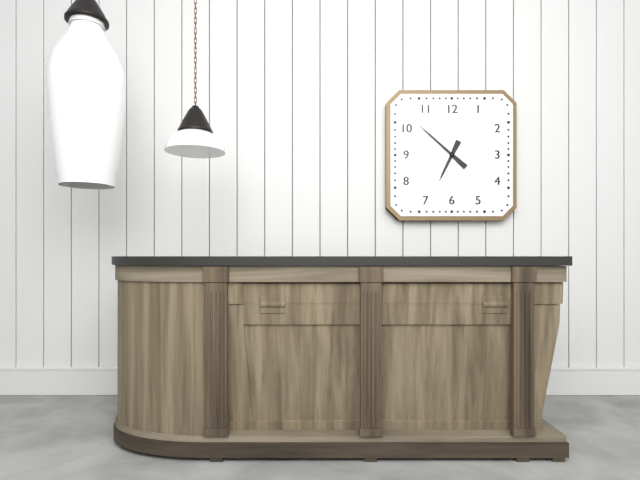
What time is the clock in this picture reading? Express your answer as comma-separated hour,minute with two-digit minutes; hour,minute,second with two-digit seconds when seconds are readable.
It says 6,52
